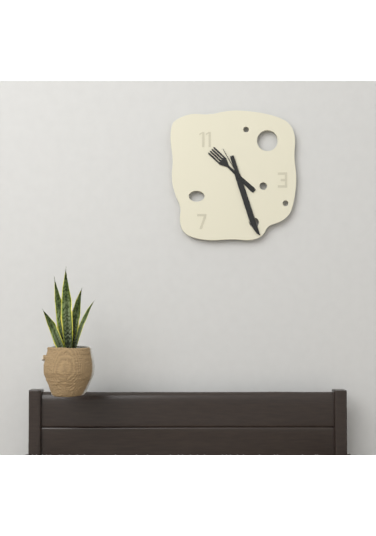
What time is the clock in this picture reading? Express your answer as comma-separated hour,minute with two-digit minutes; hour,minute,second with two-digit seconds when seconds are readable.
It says 10,27
